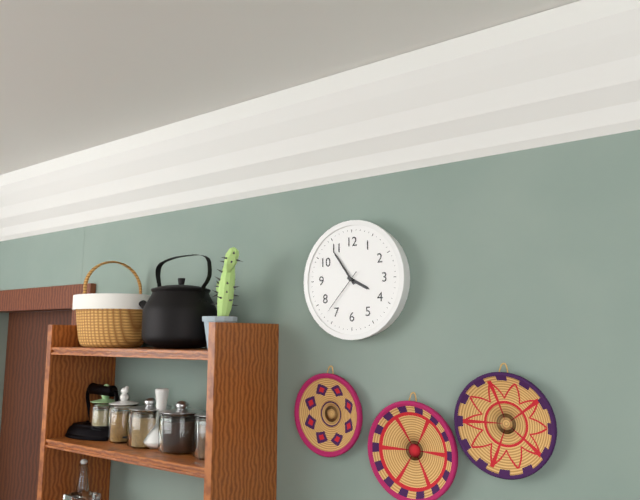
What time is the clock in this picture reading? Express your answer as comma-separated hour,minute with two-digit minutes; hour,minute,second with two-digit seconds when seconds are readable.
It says 3,54
